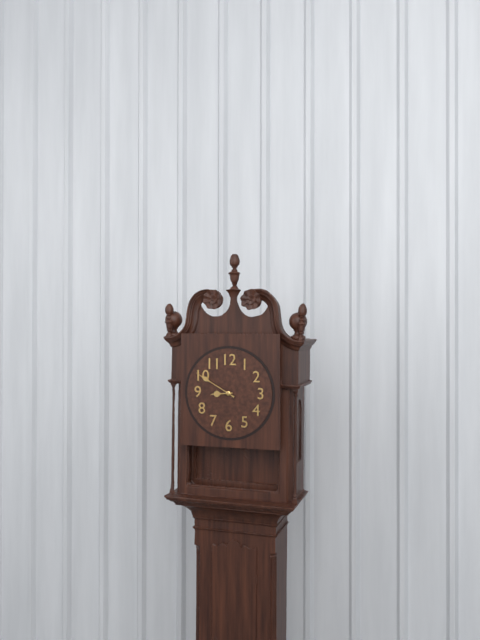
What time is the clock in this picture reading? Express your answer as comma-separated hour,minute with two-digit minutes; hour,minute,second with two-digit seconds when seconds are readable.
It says 8,50
